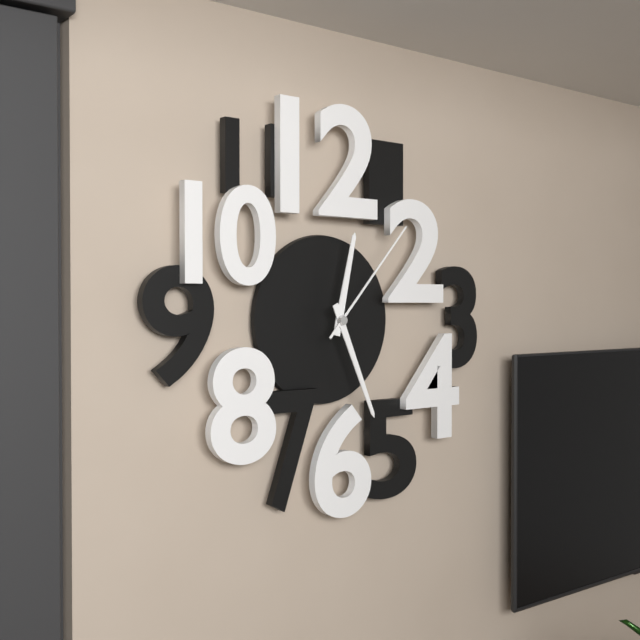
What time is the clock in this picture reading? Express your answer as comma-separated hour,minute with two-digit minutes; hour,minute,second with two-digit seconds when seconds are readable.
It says 12,26,07
